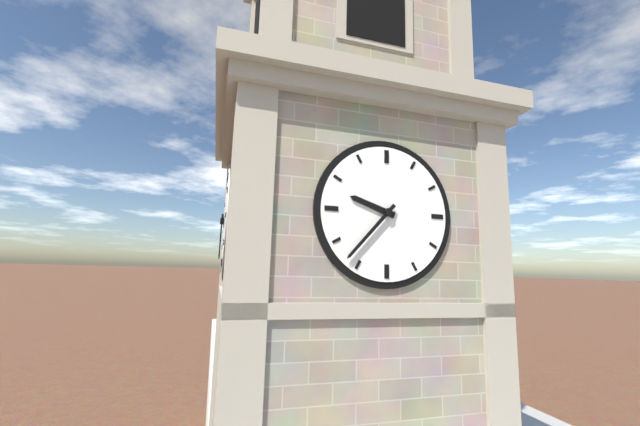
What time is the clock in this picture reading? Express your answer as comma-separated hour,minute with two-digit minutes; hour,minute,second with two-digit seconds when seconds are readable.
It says 9,37
